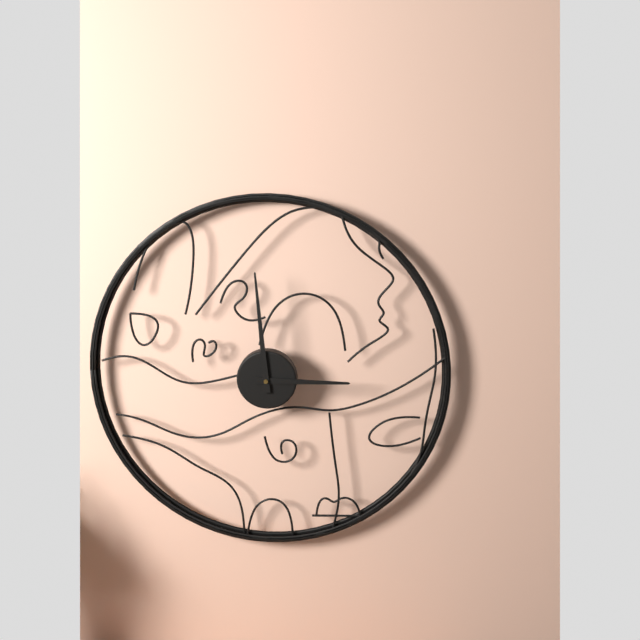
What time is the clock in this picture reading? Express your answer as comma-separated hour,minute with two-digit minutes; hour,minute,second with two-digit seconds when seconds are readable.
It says 2,59
